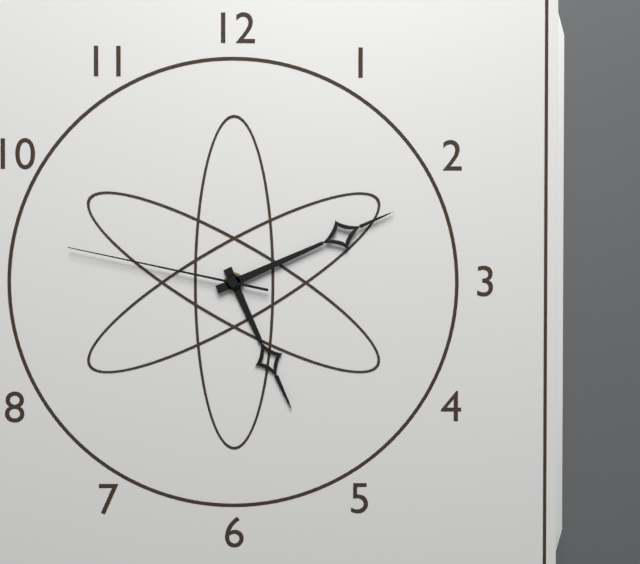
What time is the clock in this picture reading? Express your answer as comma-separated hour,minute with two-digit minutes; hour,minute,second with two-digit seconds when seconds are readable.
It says 5,11,47
